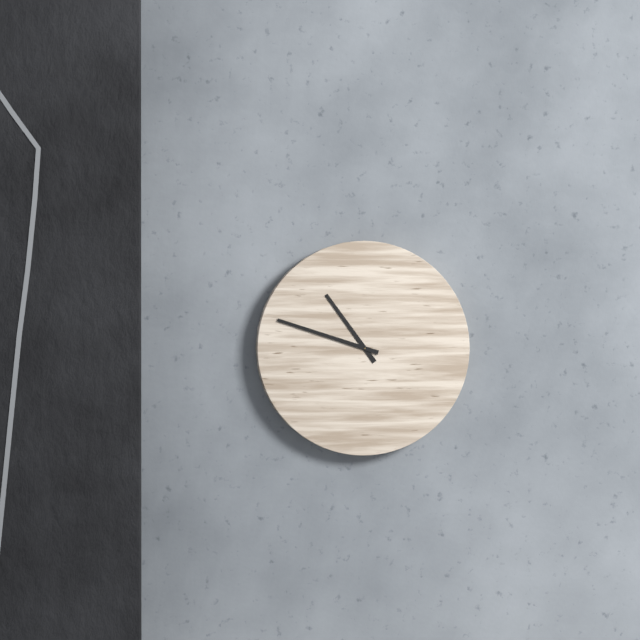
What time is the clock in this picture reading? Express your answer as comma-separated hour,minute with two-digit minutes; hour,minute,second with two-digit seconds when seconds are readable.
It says 10,48
